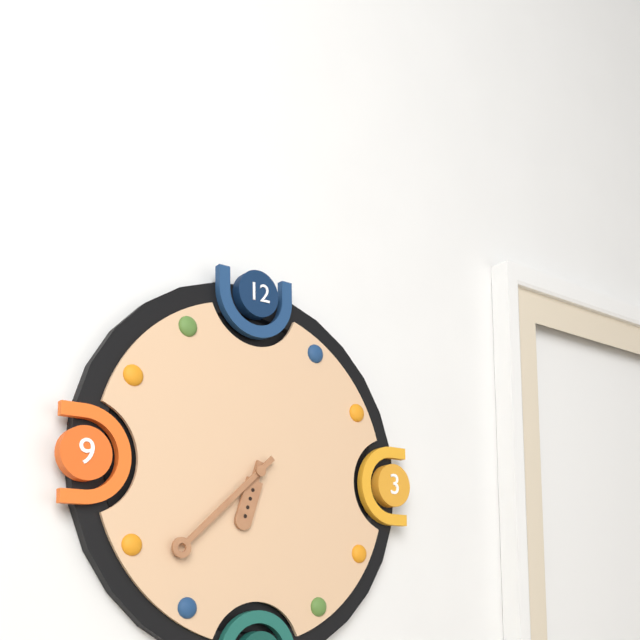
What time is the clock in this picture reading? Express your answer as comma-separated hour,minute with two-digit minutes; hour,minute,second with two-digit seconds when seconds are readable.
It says 6,38
